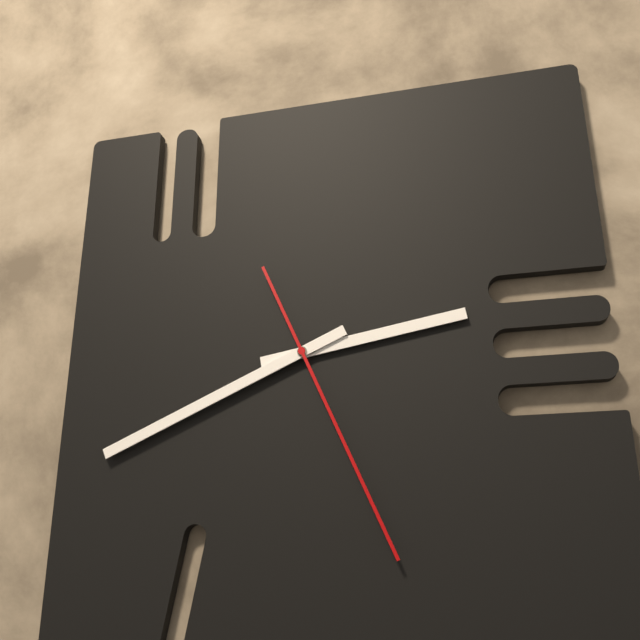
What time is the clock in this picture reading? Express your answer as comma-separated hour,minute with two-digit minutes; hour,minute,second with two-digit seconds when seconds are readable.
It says 2,41,26
